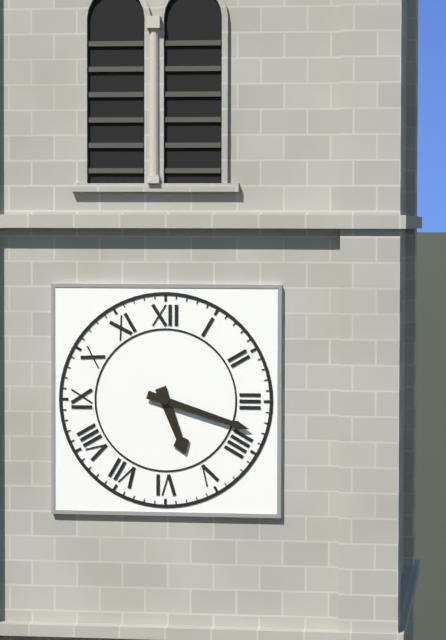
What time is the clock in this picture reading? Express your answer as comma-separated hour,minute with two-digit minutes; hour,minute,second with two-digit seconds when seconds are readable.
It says 5,18
